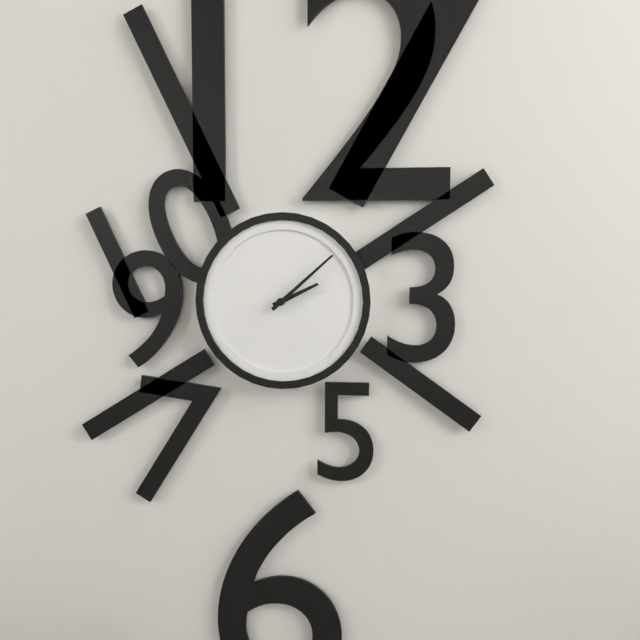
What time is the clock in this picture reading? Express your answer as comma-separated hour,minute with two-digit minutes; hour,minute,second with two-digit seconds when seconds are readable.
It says 2,08
